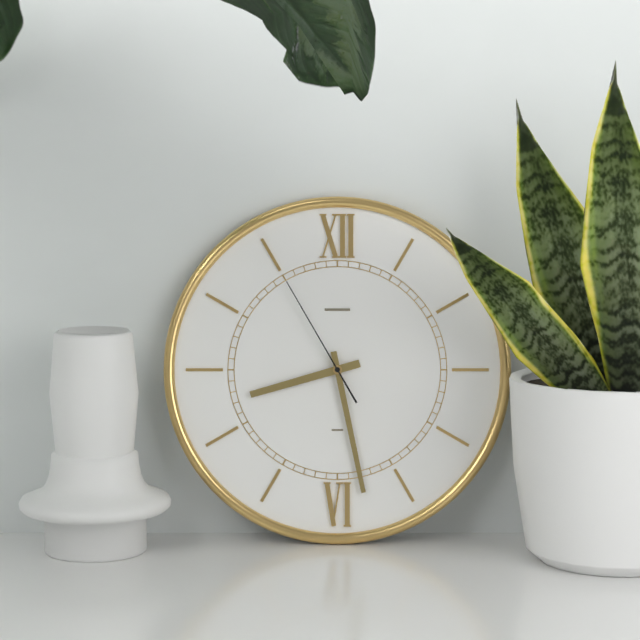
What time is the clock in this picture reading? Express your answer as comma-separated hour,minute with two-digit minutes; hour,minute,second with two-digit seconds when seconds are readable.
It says 8,28,55
